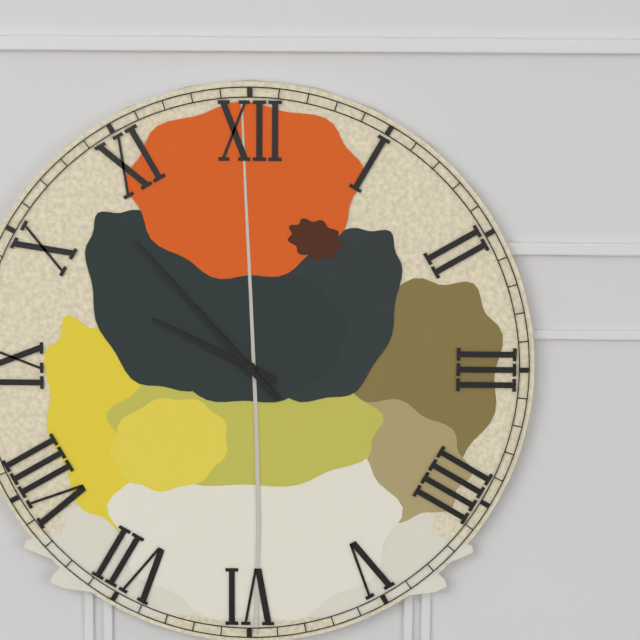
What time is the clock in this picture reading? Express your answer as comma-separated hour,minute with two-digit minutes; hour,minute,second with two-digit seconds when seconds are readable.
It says 9,53
